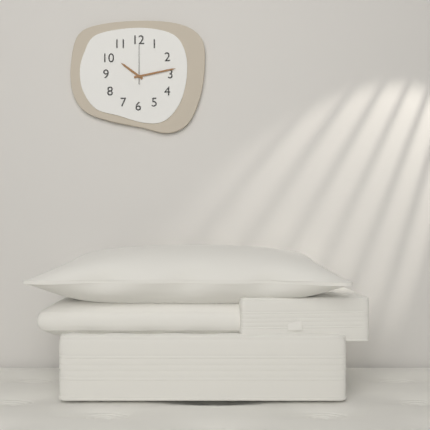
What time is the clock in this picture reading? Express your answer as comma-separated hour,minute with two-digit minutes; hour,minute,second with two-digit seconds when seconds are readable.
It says 10,13
